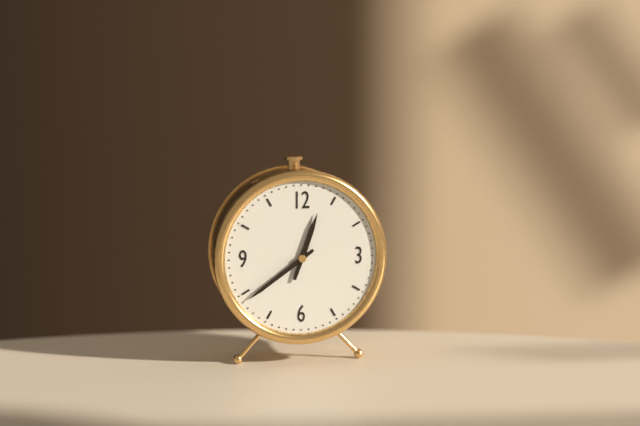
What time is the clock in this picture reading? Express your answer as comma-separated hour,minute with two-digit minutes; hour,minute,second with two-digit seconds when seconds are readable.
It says 12,39
